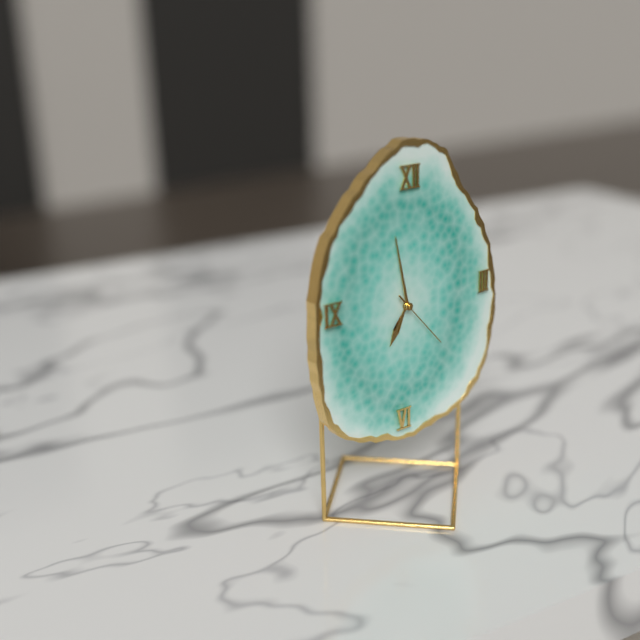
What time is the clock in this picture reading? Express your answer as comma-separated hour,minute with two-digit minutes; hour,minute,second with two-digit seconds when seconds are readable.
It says 6,58,23
